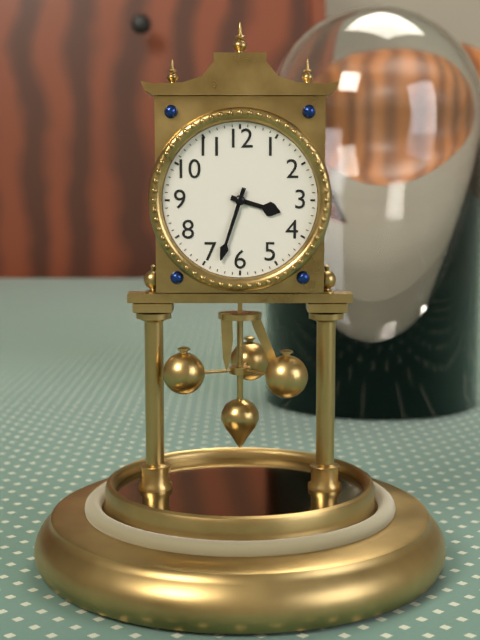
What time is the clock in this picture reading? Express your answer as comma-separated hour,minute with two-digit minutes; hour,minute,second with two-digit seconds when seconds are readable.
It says 3,33
